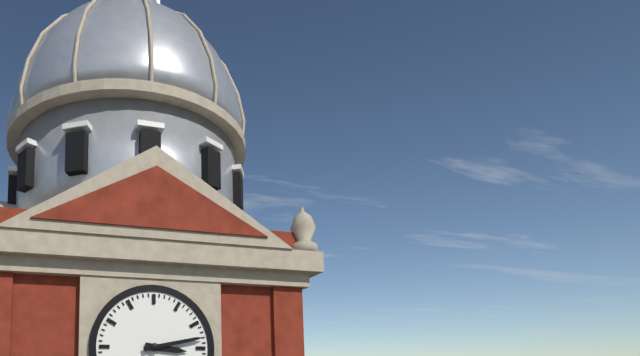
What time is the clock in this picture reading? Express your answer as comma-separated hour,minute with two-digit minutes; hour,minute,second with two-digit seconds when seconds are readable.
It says 3,13
